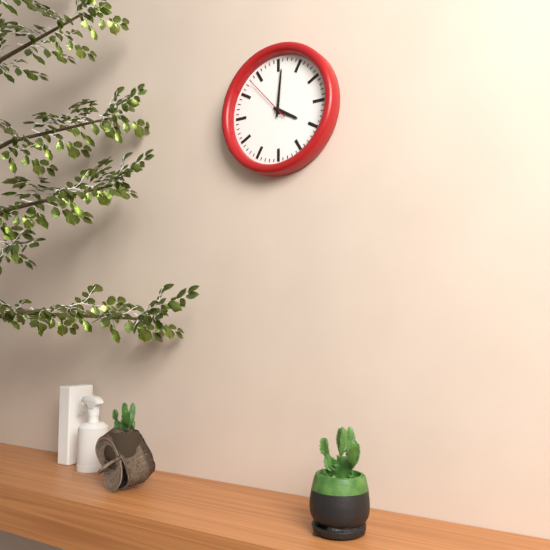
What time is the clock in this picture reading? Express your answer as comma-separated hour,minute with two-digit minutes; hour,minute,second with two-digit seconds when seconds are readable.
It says 4,01,53
